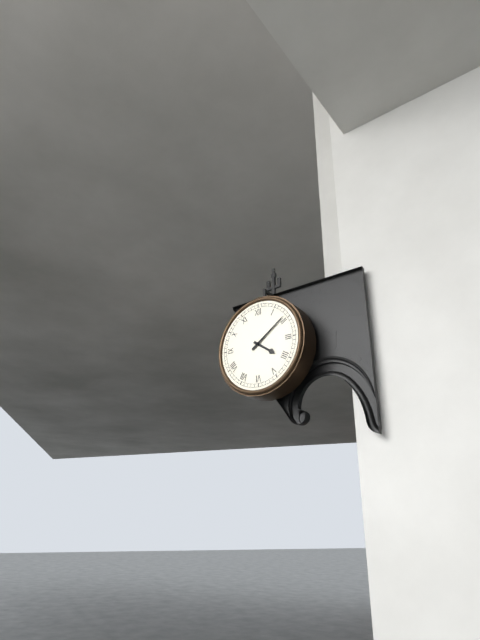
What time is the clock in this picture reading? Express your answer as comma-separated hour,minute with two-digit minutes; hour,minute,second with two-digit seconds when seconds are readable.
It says 4,09
